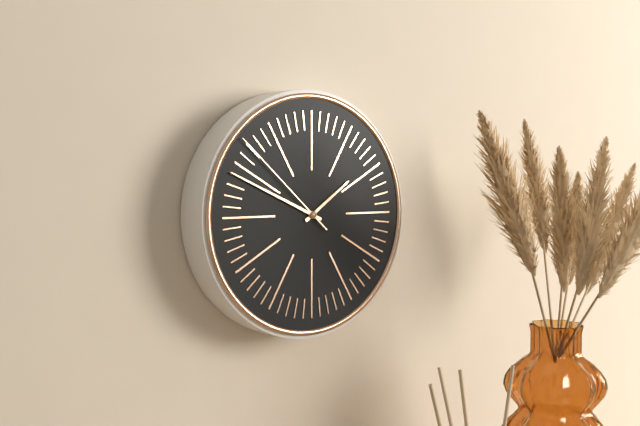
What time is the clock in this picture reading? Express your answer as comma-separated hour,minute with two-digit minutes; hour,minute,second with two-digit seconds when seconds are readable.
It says 1,49,52
